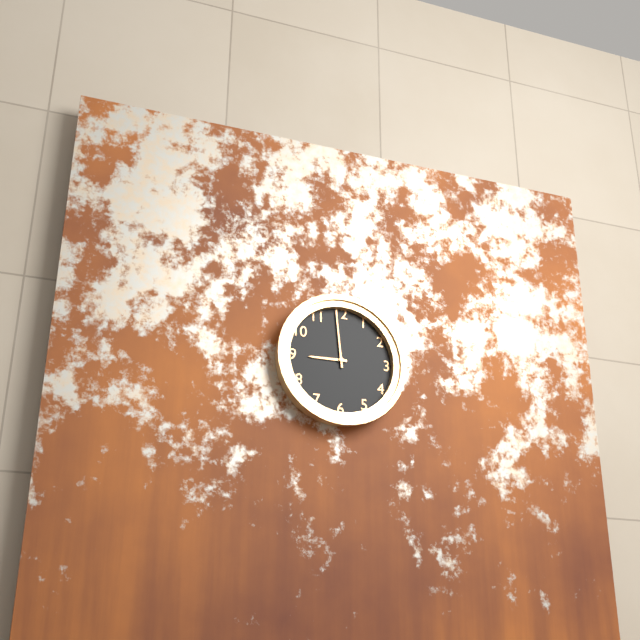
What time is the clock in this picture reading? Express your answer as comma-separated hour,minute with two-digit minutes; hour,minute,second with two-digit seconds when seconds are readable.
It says 8,59
